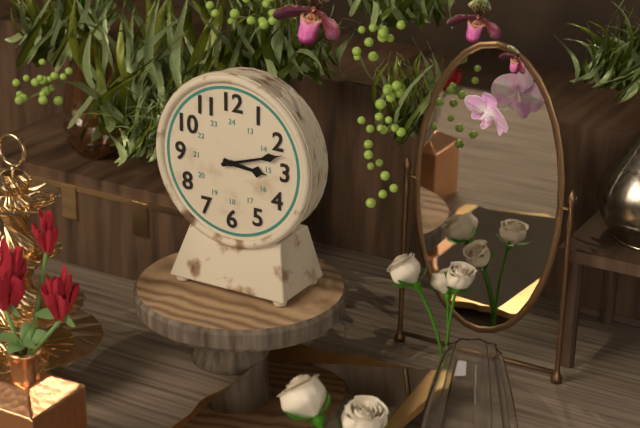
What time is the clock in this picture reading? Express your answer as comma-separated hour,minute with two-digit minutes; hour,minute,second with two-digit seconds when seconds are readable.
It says 3,12
